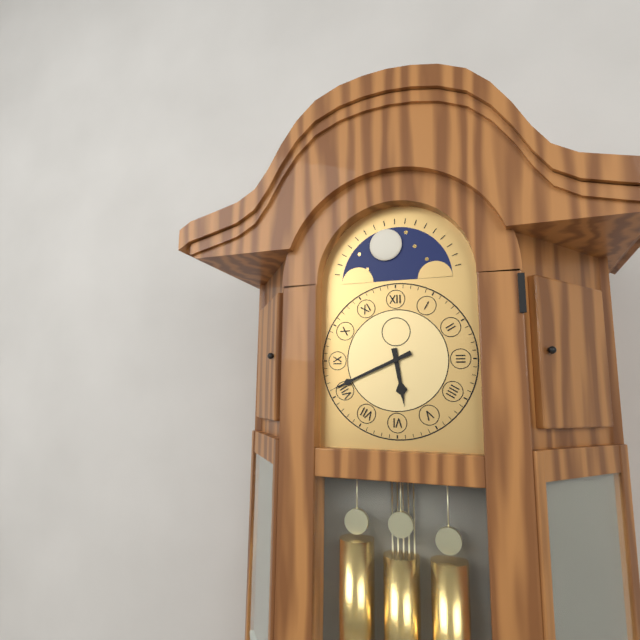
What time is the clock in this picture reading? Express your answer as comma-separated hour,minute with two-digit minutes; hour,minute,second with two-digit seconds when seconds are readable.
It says 5,41
